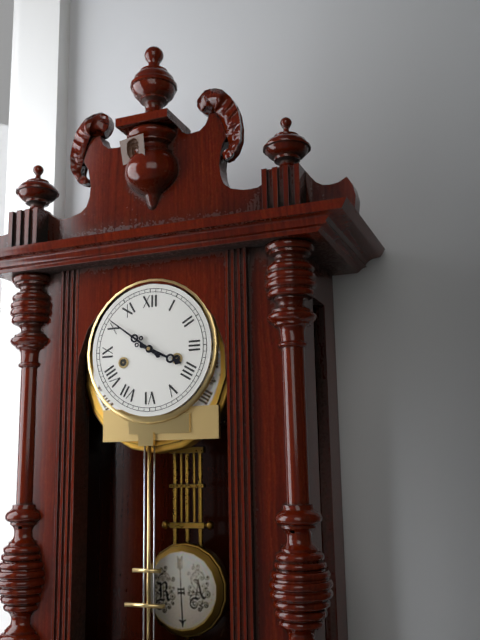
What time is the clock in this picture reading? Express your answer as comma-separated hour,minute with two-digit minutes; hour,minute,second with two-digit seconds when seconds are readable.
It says 3,51
